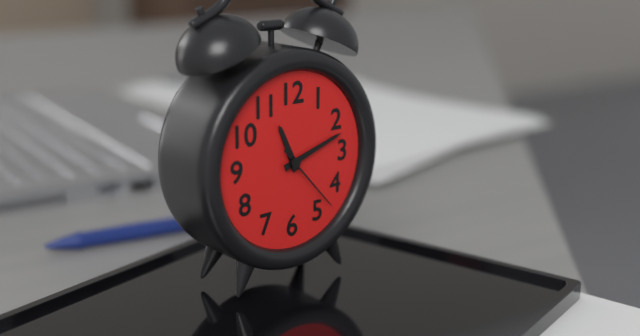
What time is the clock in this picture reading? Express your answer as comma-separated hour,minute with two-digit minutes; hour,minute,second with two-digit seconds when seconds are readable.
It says 11,12,23
